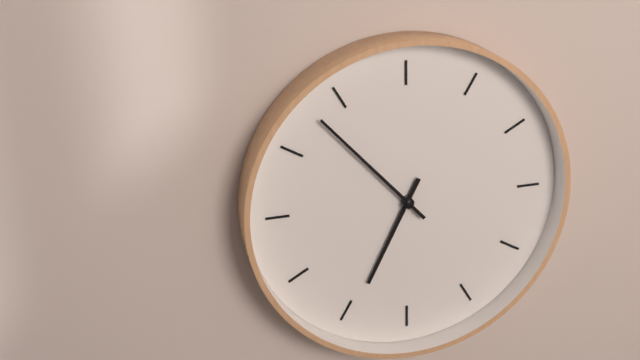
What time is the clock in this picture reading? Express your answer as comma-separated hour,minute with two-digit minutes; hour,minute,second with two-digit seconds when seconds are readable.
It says 6,53
